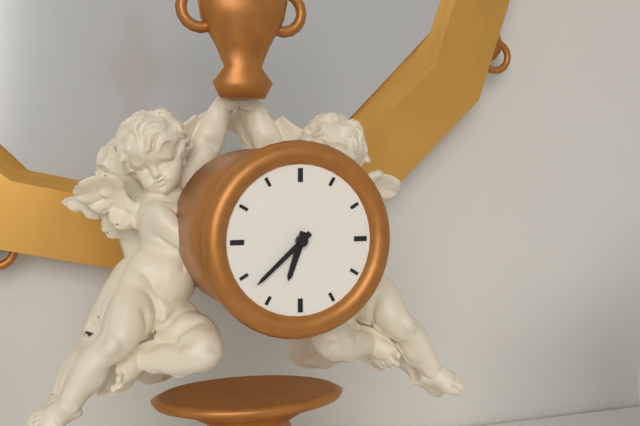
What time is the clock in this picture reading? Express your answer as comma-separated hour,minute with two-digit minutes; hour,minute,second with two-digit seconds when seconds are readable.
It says 6,38
